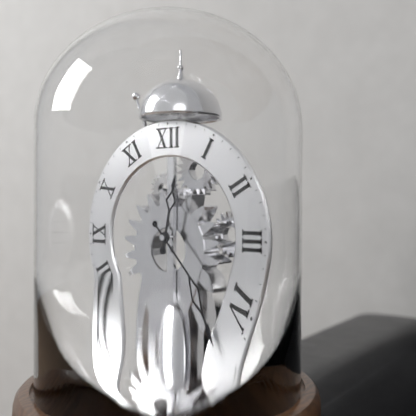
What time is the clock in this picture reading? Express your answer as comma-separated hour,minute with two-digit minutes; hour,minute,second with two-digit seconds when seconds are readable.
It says 12,23
